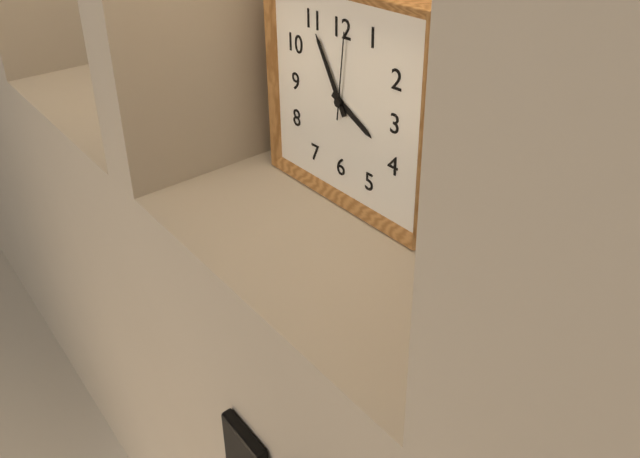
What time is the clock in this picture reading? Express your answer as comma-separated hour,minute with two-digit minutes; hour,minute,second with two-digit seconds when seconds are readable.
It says 3,55,01
